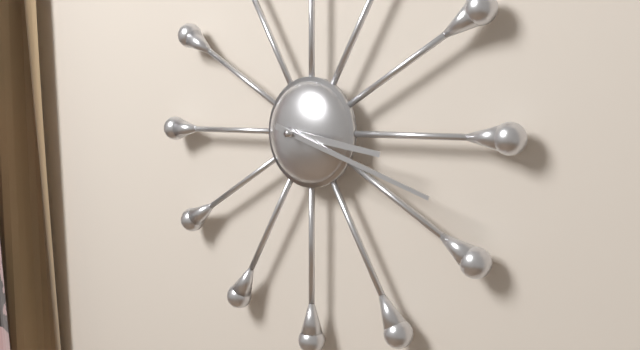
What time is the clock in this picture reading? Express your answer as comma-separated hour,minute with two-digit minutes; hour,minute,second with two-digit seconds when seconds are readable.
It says 3,18
